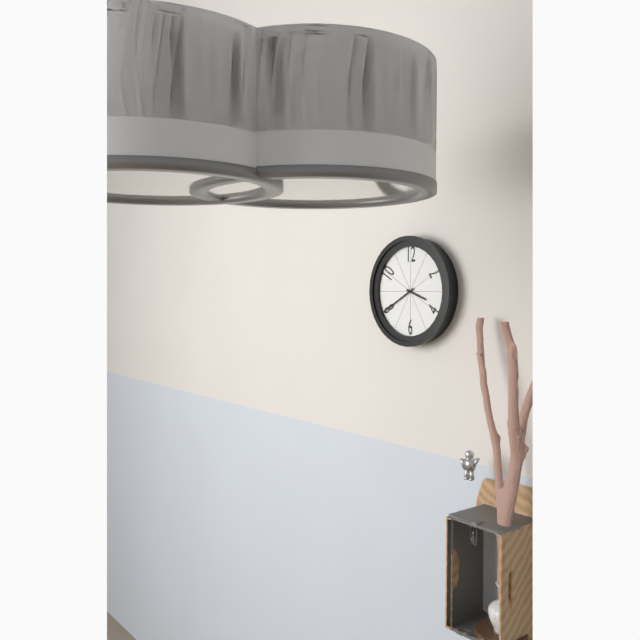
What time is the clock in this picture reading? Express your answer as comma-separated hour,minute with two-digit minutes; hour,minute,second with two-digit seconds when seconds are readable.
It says 3,40
